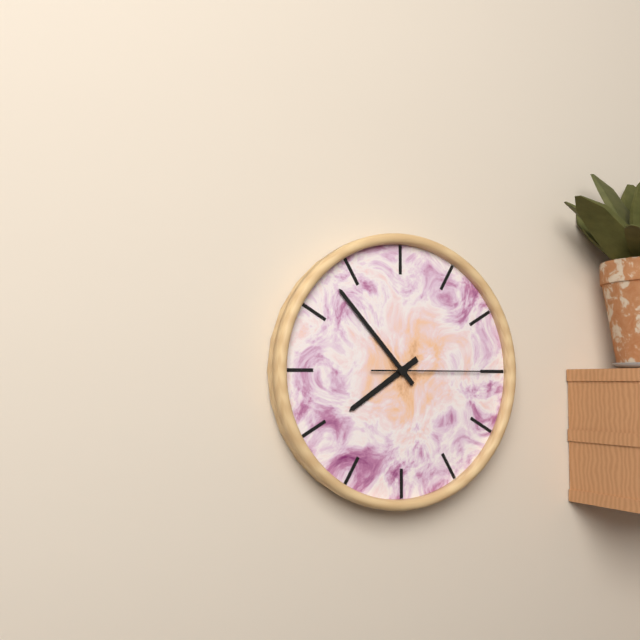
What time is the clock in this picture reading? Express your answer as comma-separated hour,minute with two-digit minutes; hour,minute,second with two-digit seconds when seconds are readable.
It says 7,53,15
